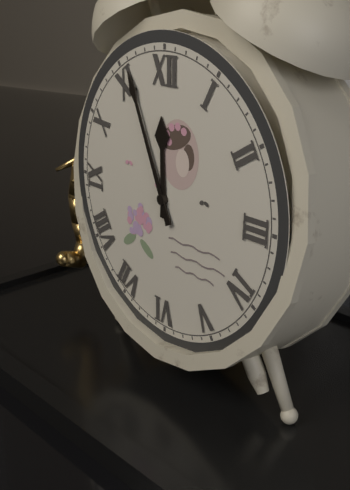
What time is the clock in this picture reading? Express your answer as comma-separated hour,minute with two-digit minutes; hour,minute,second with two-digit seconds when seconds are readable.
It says 11,56
